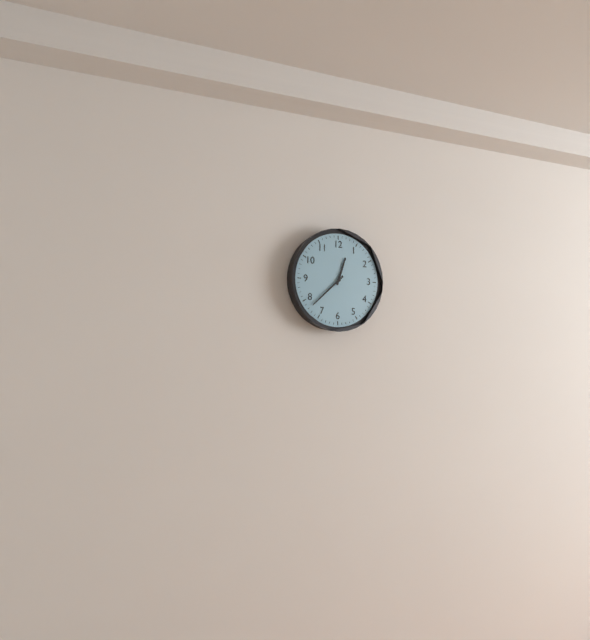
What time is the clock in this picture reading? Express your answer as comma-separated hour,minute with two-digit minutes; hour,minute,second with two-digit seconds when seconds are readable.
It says 12,38
